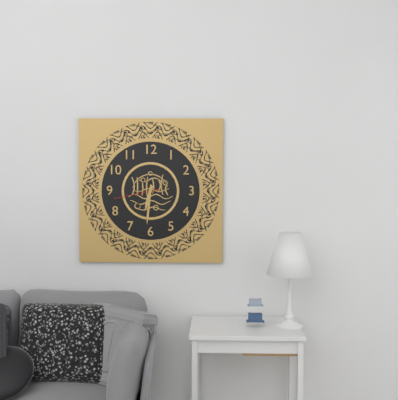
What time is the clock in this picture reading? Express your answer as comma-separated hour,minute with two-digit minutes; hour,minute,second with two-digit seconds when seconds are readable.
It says 6,31
